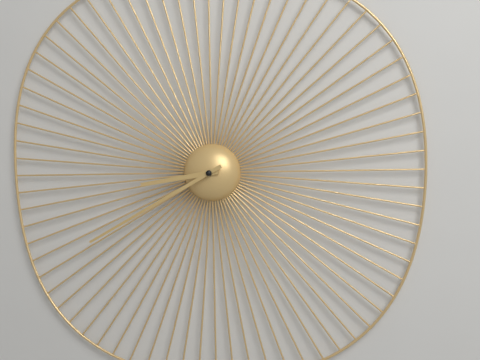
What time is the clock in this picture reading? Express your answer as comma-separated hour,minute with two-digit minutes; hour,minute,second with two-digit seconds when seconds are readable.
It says 8,40
